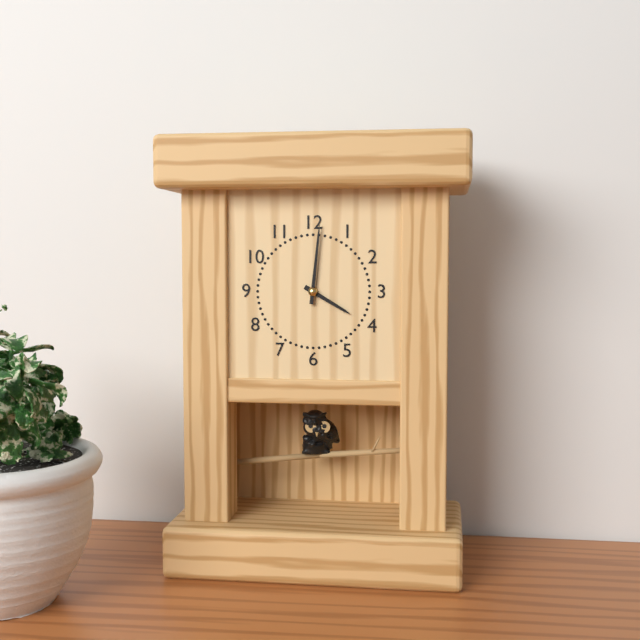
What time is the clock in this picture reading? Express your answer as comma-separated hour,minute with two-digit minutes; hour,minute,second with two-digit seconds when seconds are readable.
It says 4,01
